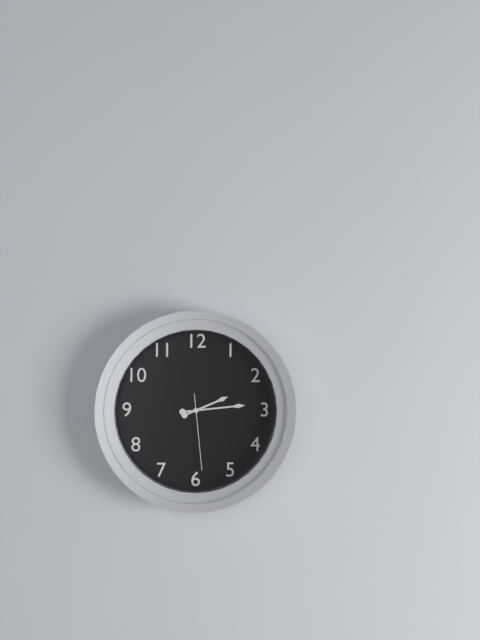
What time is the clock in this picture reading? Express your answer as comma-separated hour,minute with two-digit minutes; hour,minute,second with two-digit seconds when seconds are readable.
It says 2,14,29
